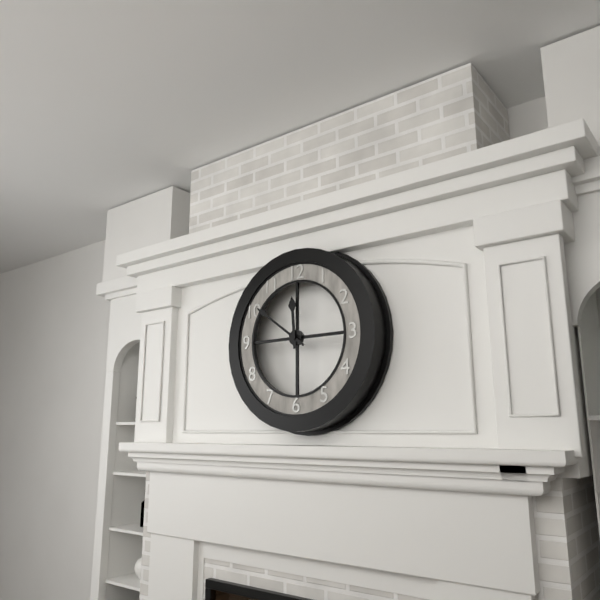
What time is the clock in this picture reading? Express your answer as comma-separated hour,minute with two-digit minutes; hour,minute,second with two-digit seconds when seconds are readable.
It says 11,51
